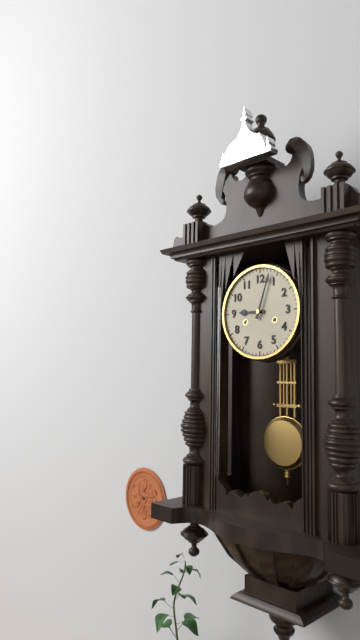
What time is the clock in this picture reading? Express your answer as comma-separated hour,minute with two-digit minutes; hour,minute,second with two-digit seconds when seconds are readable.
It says 9,03
